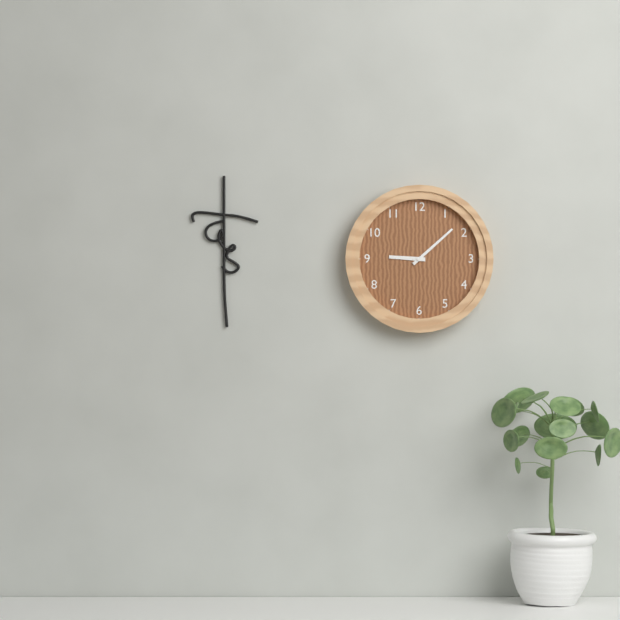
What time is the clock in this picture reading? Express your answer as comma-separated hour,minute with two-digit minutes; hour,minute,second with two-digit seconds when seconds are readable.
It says 9,08
